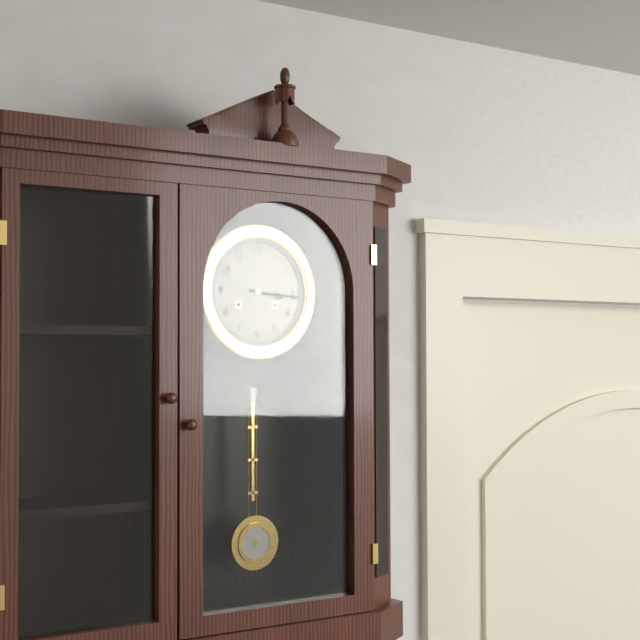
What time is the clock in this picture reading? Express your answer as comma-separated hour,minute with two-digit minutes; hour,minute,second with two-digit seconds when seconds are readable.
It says 3,16
